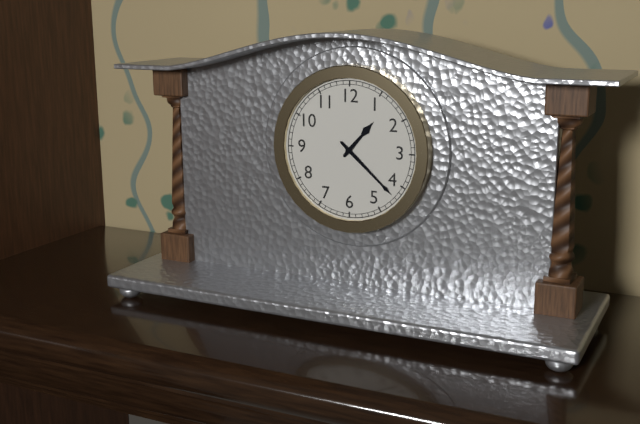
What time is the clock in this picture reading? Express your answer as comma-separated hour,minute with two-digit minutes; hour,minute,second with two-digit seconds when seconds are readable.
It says 1,22
